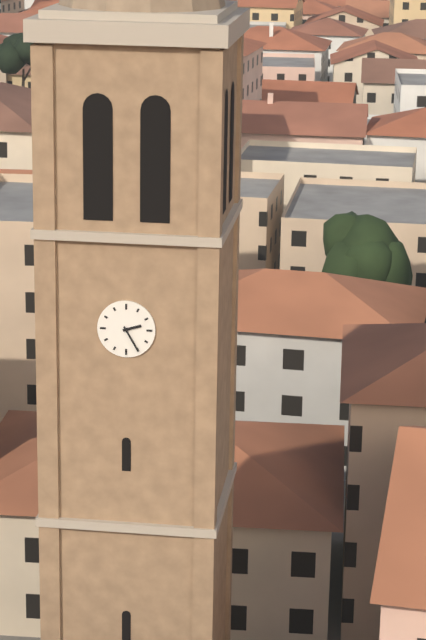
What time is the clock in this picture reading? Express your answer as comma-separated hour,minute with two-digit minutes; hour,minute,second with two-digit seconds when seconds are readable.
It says 2,25
